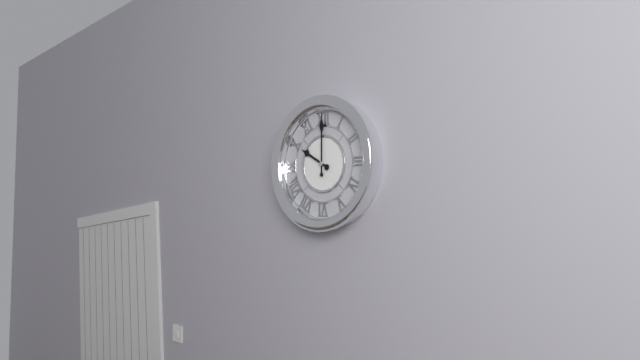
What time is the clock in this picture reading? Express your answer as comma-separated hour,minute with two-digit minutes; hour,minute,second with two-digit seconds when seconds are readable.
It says 10,00
